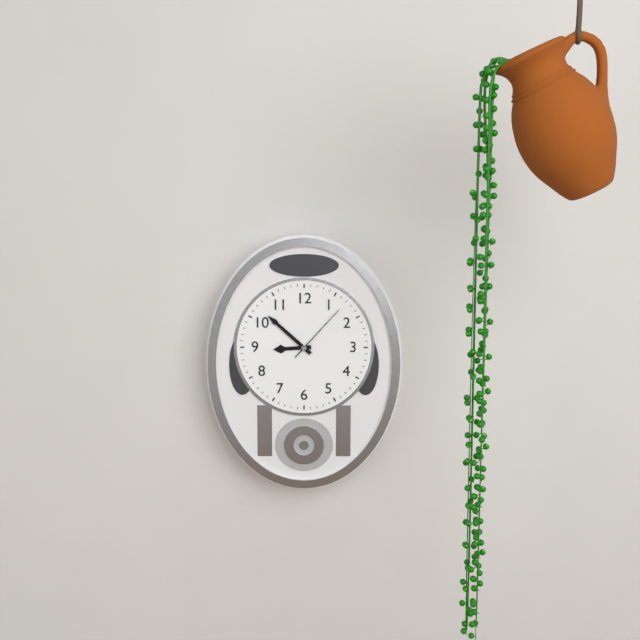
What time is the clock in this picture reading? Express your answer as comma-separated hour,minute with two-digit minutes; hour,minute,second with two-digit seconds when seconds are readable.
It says 8,52,07
